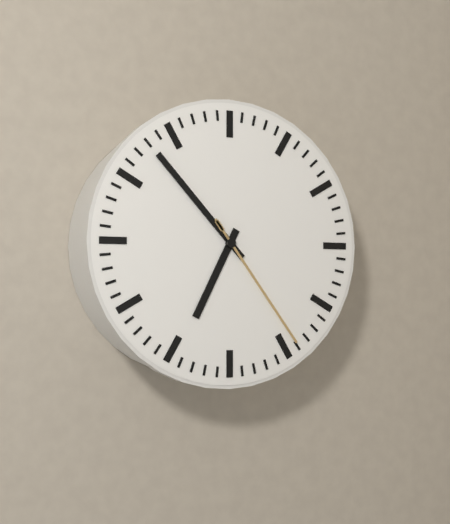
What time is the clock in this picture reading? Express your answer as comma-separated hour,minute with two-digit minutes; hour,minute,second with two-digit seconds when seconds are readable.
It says 6,53,24
